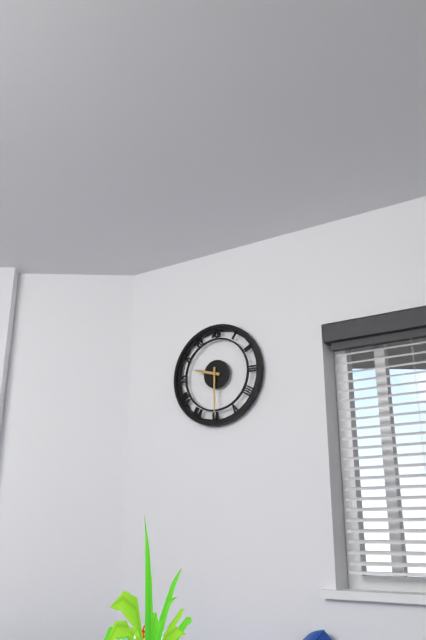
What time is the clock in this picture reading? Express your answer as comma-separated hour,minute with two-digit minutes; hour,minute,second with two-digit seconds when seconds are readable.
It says 9,30
